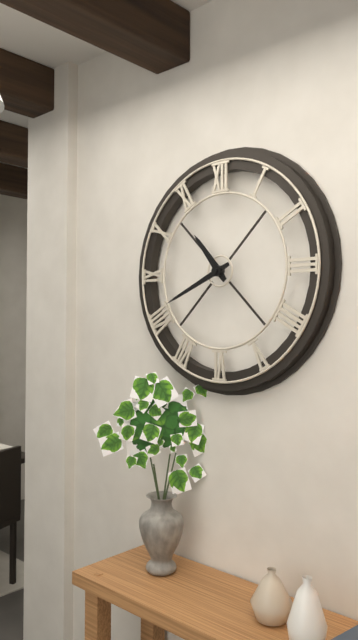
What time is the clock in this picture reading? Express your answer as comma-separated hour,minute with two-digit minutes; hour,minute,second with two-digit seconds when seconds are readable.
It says 10,41
